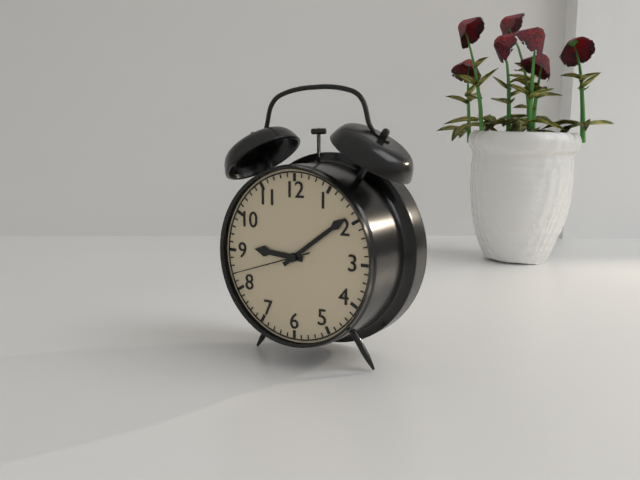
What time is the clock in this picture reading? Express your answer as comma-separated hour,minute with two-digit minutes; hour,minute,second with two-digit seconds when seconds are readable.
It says 9,09,42
